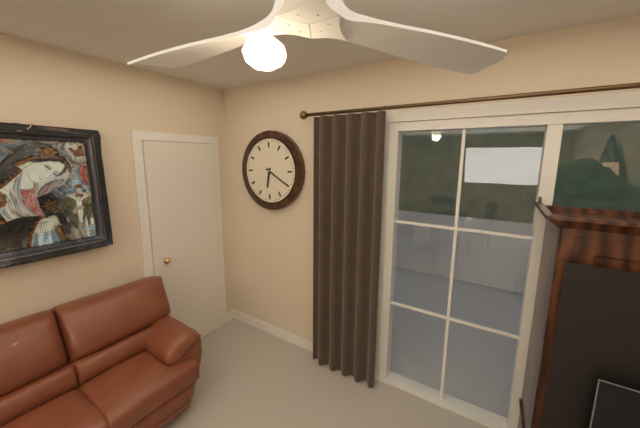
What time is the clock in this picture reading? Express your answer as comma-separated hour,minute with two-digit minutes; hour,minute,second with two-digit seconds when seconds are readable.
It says 6,20
